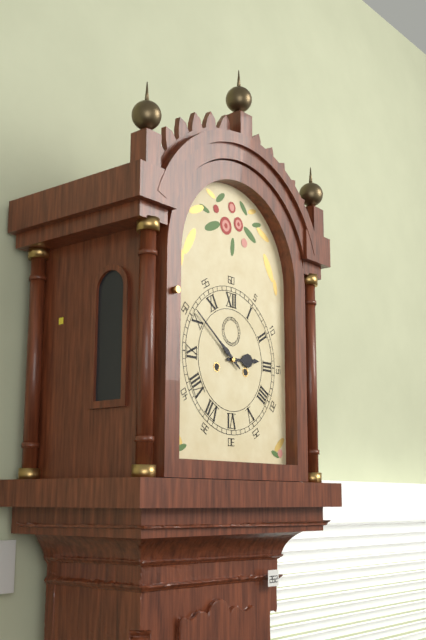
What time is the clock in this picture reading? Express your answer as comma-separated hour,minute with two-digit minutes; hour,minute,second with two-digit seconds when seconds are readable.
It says 2,51
